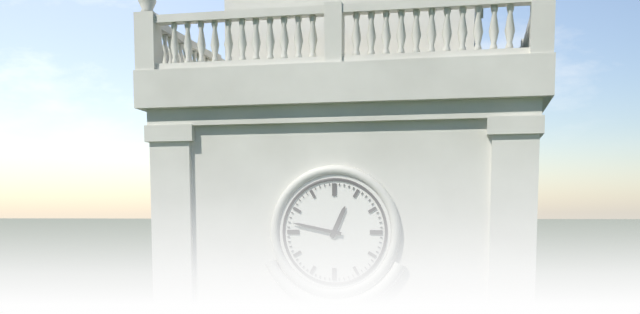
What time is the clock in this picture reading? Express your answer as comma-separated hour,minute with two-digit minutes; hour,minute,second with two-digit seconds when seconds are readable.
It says 12,47
